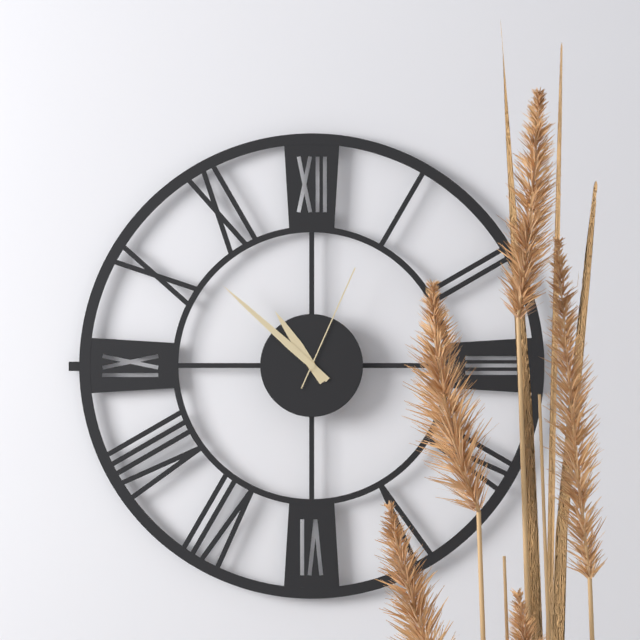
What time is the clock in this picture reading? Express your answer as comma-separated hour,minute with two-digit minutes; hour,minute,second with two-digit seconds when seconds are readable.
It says 10,52,04
